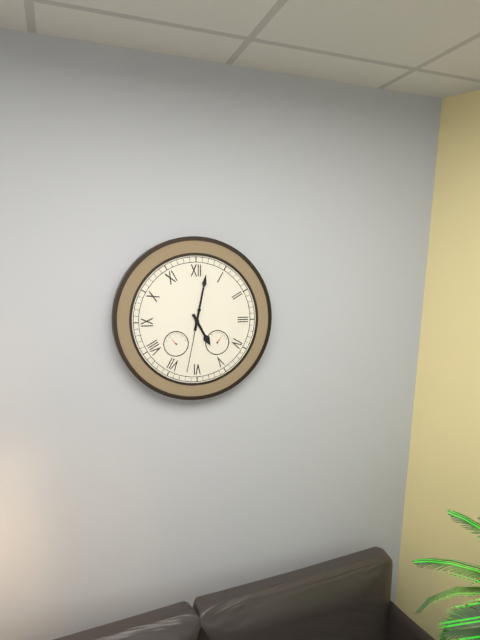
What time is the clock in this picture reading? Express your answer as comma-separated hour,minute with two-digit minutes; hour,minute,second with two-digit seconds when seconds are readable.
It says 5,02,32
